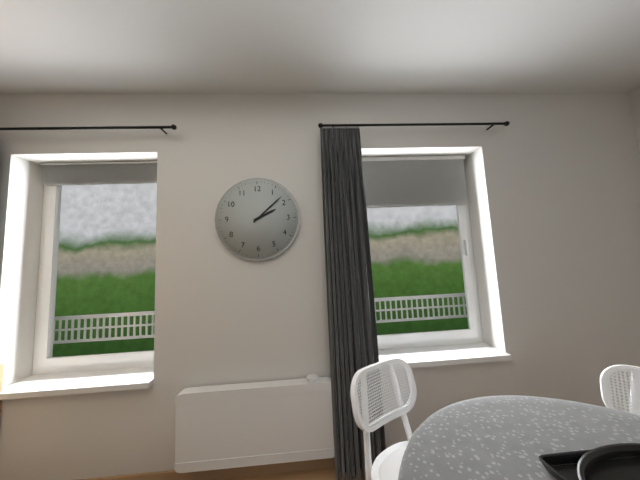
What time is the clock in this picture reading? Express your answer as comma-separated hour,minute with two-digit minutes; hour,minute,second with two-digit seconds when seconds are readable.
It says 2,08
